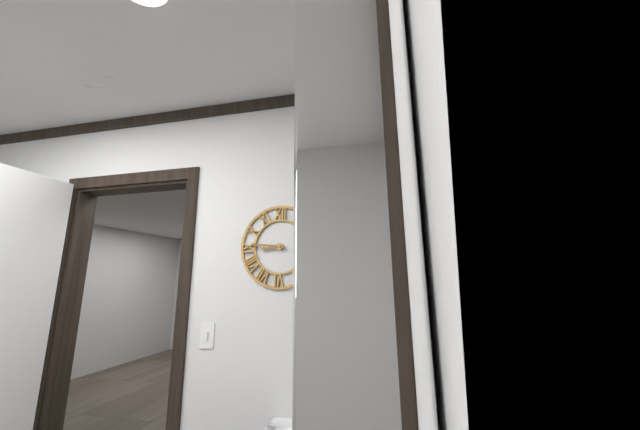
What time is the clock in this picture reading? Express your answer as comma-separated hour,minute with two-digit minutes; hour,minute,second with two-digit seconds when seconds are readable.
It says 8,46
